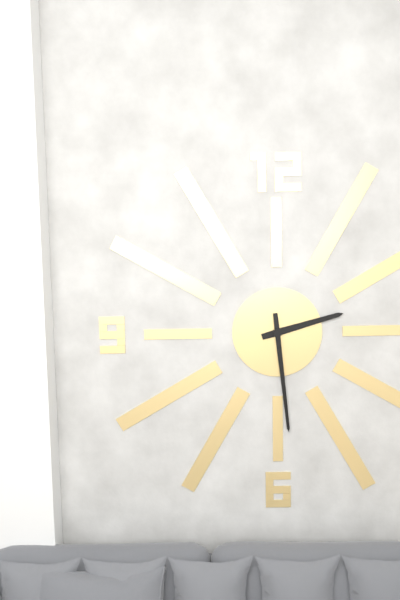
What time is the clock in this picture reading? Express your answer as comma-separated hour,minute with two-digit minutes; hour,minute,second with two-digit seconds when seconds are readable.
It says 2,29
